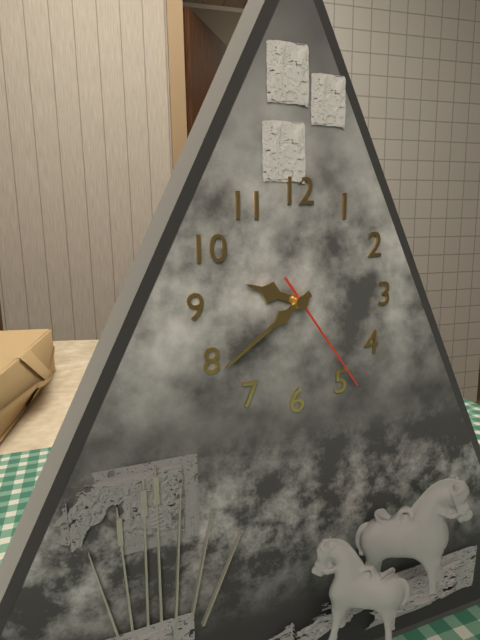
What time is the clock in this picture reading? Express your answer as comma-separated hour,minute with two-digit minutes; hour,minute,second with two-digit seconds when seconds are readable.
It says 9,39,24
